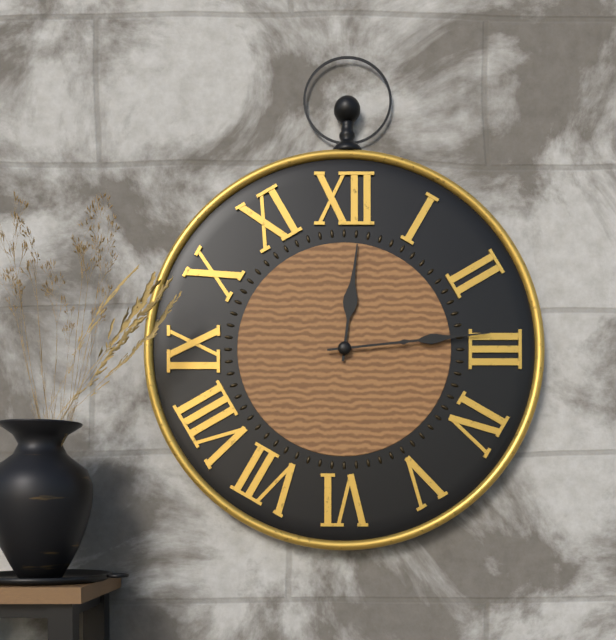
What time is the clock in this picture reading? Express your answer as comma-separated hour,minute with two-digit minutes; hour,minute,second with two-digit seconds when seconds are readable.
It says 12,14
